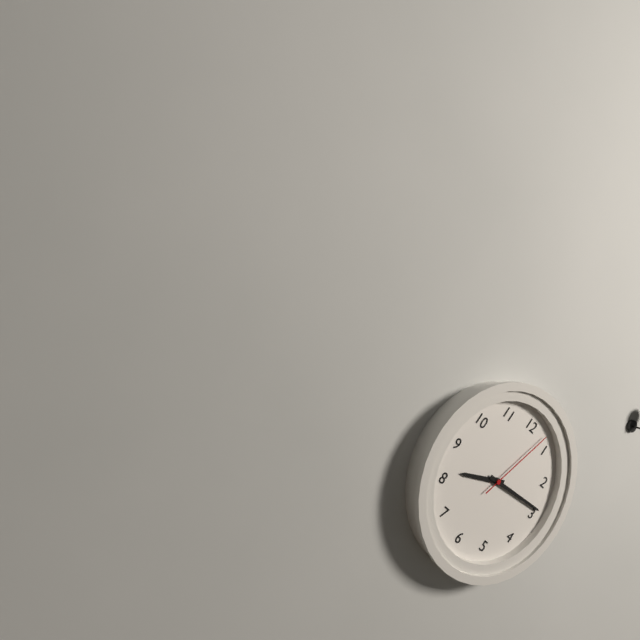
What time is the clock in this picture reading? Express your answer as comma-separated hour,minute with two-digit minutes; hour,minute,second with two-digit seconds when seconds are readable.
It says 8,14,03
